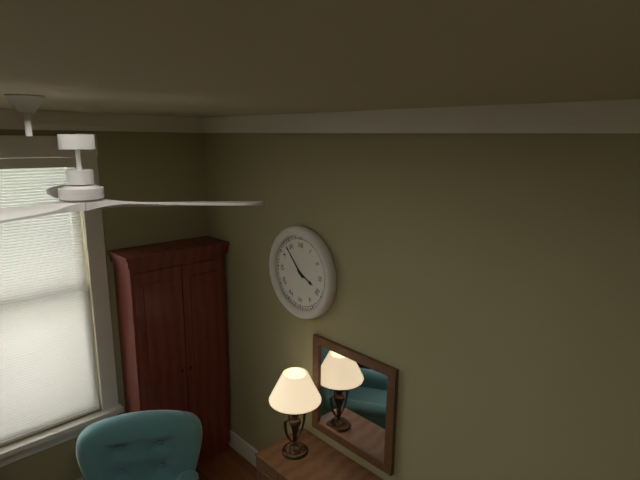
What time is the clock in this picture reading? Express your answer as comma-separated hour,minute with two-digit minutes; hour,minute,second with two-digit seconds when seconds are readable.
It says 3,53
